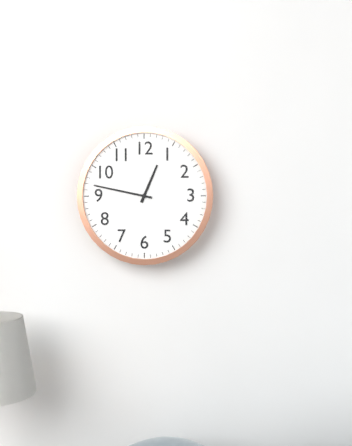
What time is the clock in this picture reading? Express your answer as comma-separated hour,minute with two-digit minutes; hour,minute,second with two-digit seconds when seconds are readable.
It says 12,47
